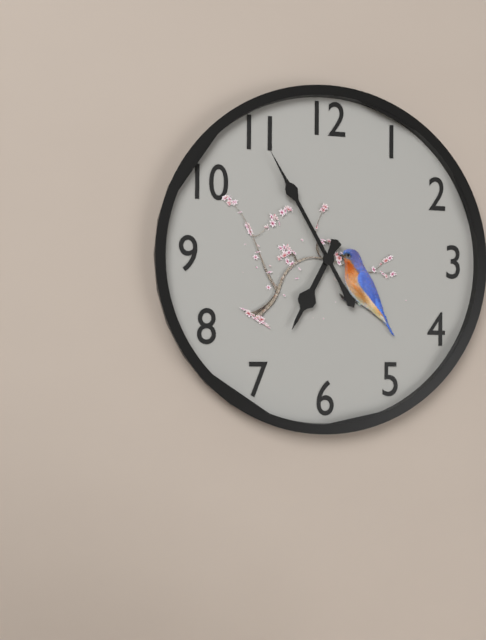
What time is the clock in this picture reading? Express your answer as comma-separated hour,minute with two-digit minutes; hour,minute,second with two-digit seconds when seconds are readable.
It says 6,55
